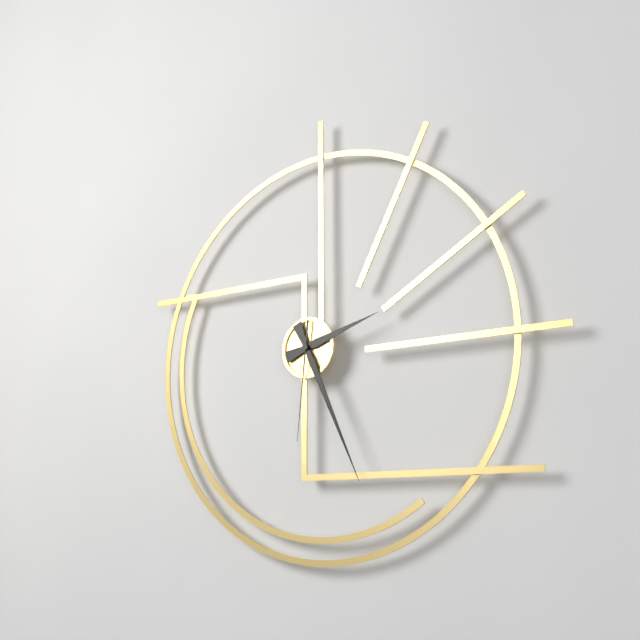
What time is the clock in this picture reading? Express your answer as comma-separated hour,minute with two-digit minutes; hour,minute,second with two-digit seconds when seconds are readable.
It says 2,26,31
